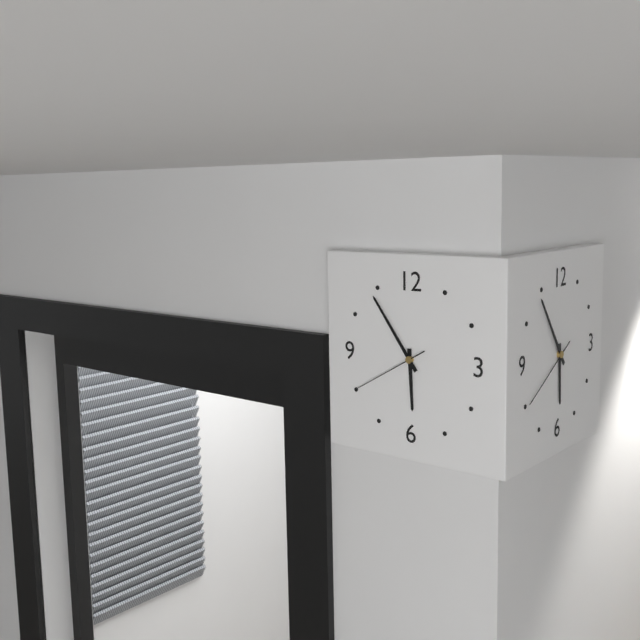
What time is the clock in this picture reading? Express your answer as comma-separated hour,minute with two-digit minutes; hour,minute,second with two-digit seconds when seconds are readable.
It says 5,54,40
